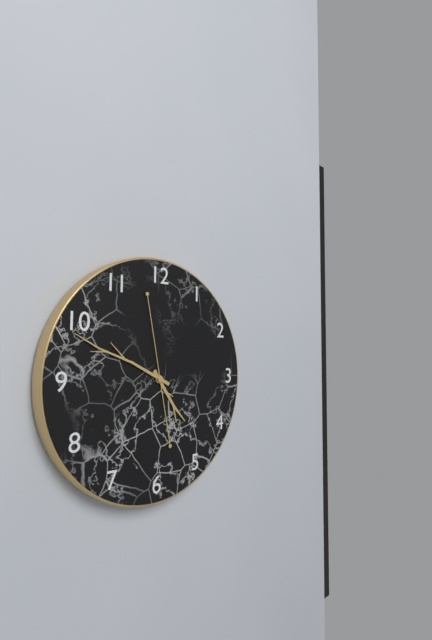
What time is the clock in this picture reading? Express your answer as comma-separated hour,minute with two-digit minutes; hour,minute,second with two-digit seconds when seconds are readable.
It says 4,49,58
